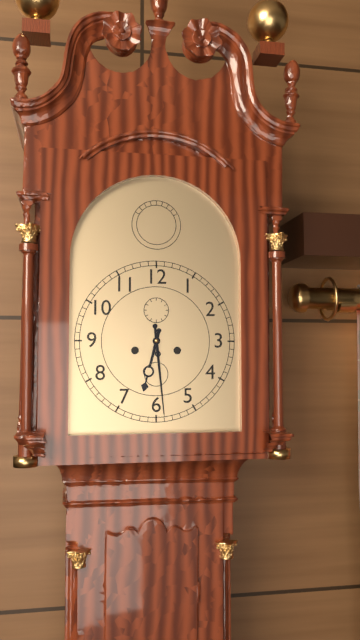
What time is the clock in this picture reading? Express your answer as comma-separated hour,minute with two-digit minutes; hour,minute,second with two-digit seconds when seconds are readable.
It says 6,29
